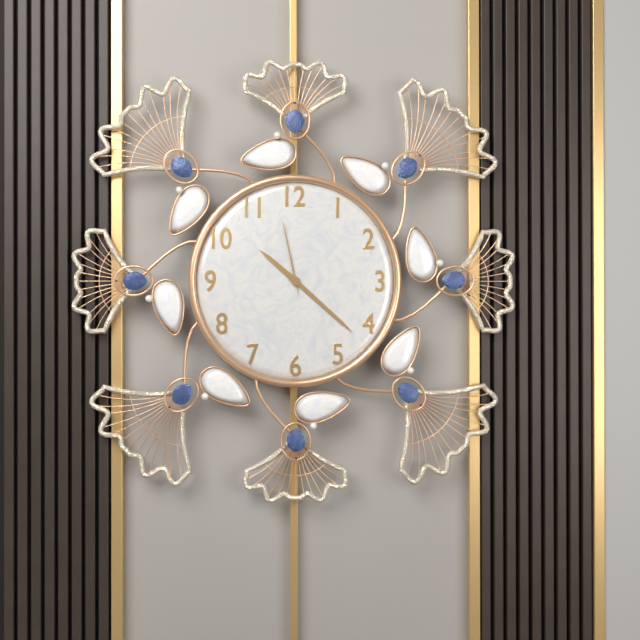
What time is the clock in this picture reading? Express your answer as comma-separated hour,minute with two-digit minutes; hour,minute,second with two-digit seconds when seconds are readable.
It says 10,22,58
